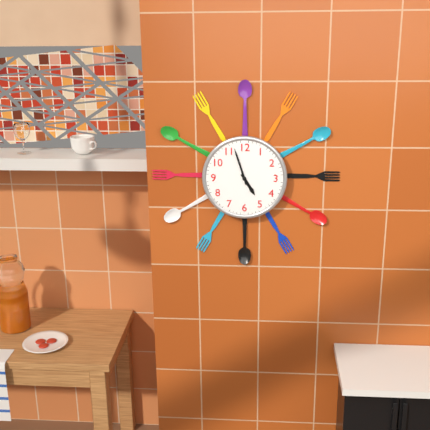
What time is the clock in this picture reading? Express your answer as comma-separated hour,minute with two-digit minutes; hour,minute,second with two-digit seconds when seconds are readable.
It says 4,57
